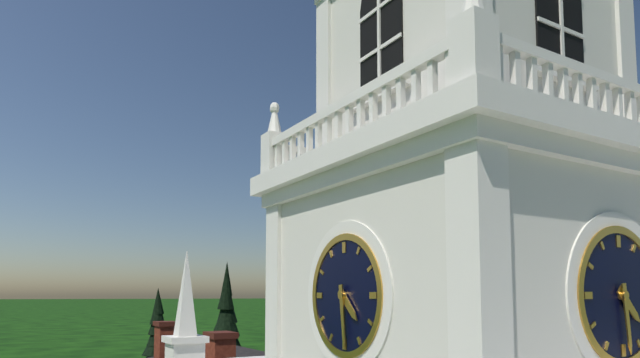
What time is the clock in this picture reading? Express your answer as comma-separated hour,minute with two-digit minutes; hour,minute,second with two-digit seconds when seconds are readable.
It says 4,29
